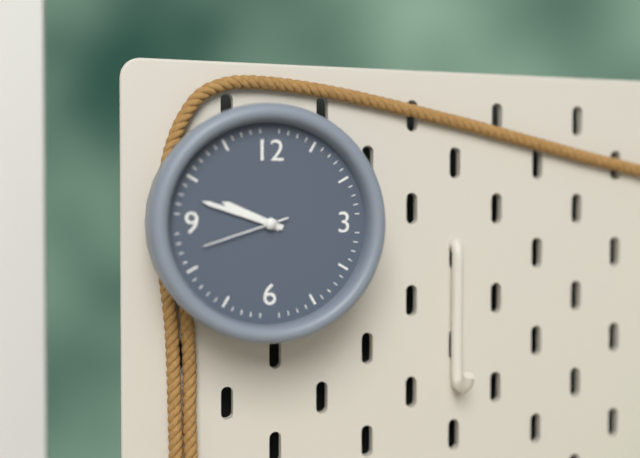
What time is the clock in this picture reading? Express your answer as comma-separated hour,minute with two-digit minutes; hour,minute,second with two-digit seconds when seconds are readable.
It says 9,48,42
